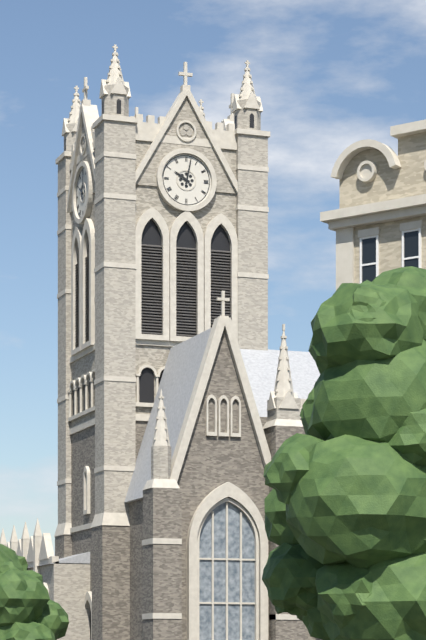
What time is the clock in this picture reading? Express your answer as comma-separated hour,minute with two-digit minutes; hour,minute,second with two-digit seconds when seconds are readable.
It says 10,02
